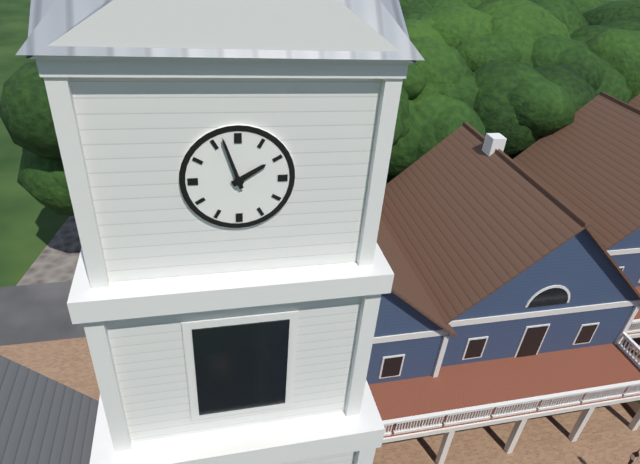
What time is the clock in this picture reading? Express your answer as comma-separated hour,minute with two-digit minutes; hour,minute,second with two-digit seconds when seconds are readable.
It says 1,57
